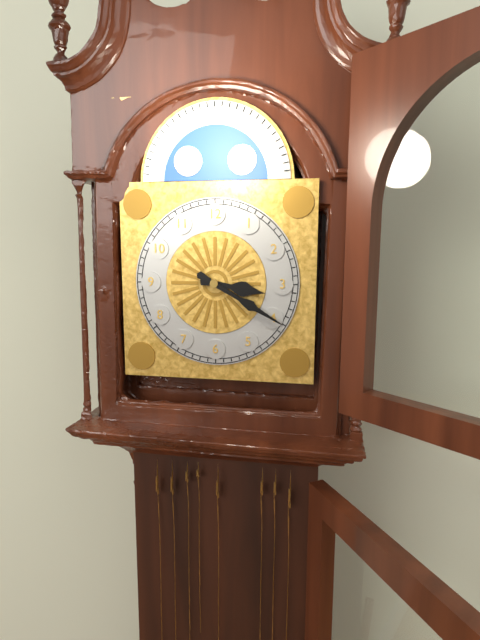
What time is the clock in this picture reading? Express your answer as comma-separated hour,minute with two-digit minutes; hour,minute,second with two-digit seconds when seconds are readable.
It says 3,20
